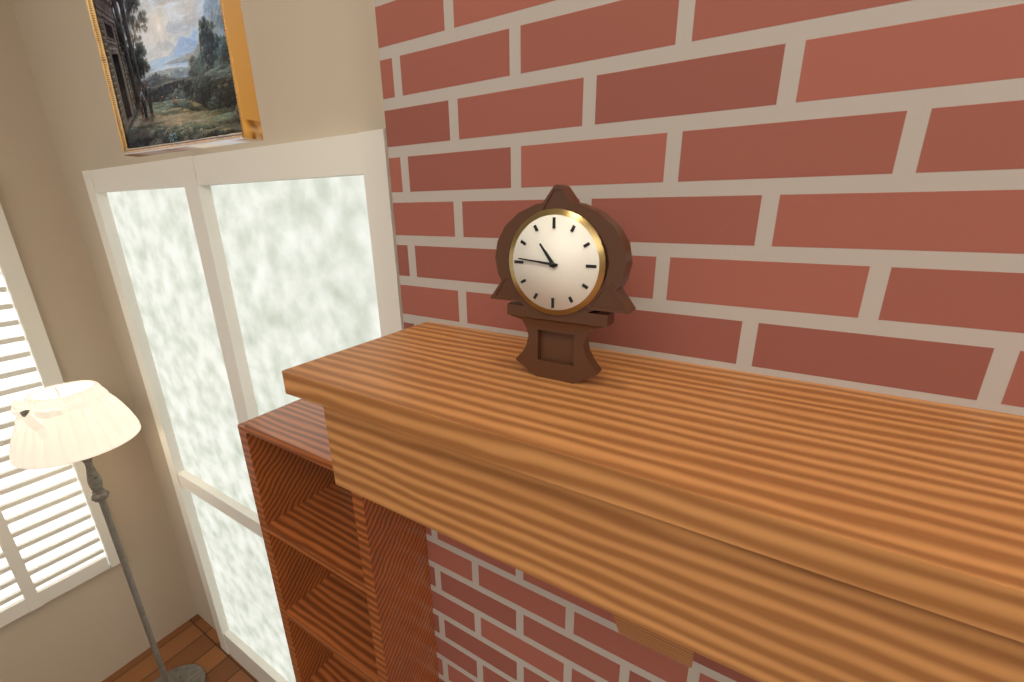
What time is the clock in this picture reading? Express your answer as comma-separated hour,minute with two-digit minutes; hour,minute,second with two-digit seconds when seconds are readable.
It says 10,46
